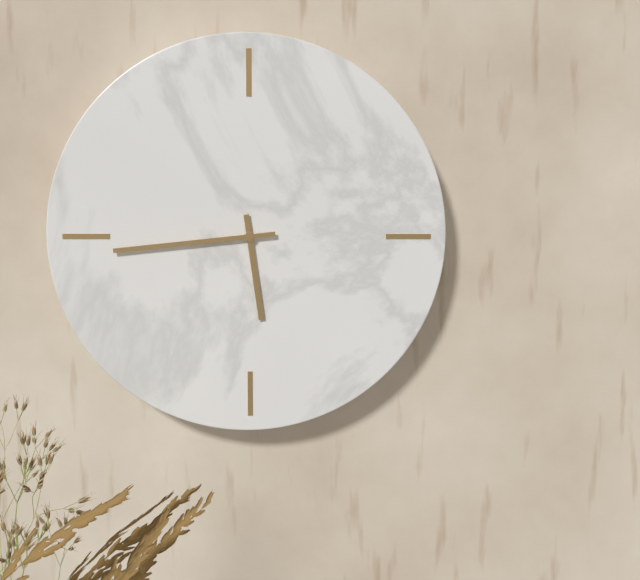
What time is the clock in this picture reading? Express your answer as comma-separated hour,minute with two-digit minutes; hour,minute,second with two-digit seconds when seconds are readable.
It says 5,44
